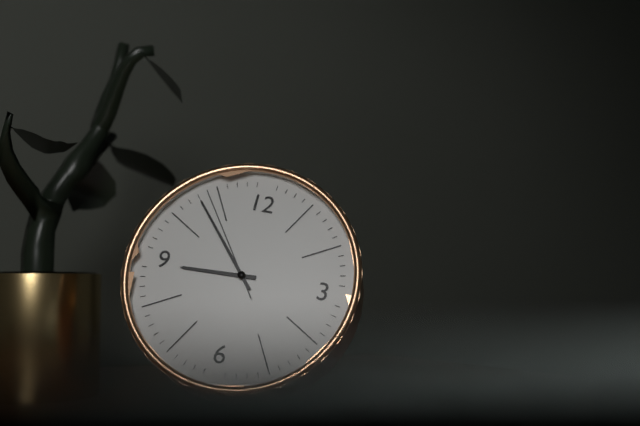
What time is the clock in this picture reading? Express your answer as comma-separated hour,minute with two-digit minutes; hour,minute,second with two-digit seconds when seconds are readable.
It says 8,53,54
